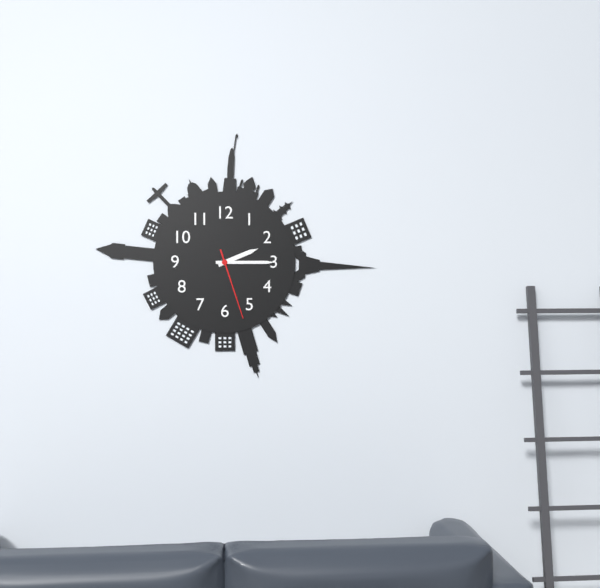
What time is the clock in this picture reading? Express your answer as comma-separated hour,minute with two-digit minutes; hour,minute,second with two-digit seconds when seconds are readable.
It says 2,15,27
